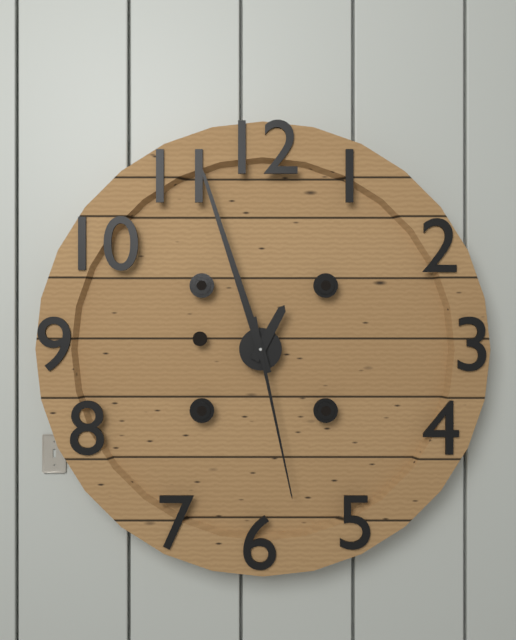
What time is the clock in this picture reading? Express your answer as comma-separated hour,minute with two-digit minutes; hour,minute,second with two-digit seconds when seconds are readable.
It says 12,57,28
